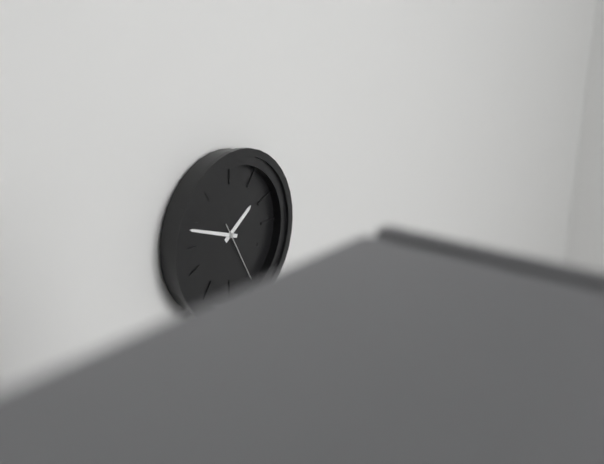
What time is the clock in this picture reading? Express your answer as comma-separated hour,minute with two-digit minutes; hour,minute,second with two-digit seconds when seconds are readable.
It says 1,48,25
